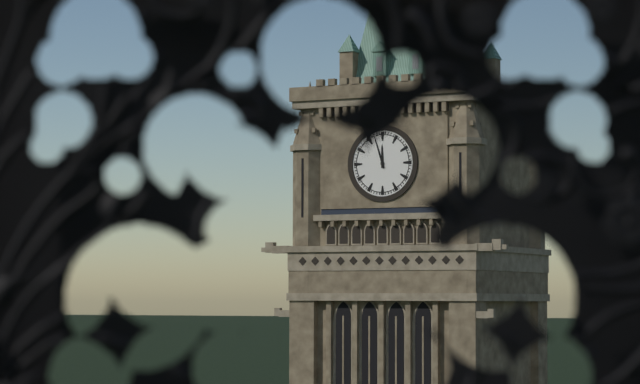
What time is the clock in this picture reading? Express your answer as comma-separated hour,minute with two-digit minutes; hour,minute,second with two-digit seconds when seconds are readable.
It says 11,57
